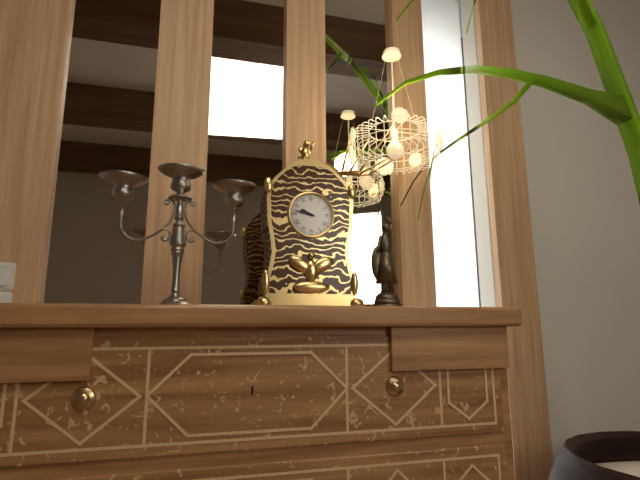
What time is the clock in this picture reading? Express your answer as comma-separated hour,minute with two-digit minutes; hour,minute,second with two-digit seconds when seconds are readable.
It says 9,47
